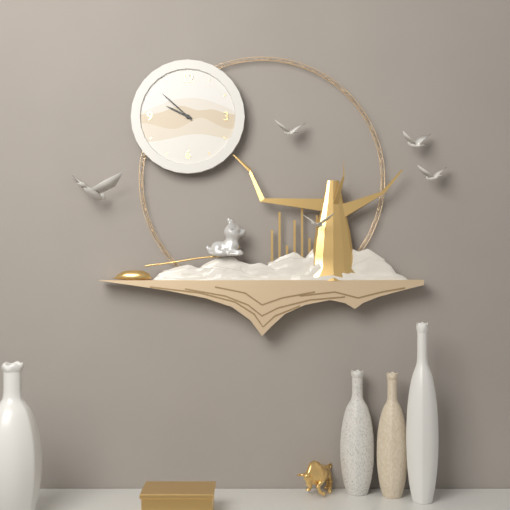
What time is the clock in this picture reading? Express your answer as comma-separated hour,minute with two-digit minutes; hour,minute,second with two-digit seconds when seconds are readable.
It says 9,52
